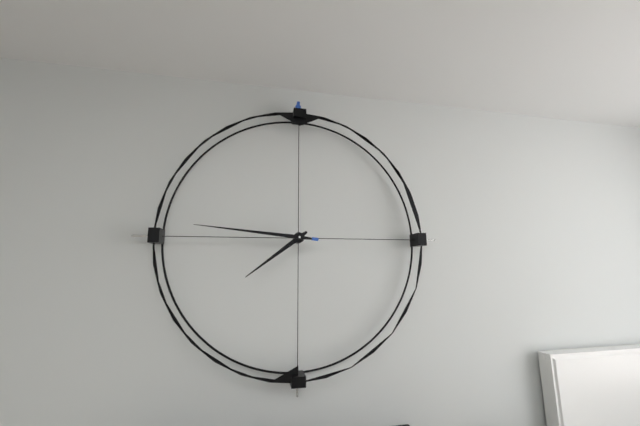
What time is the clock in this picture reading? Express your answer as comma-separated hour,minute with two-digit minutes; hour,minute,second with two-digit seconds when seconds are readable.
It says 7,46
